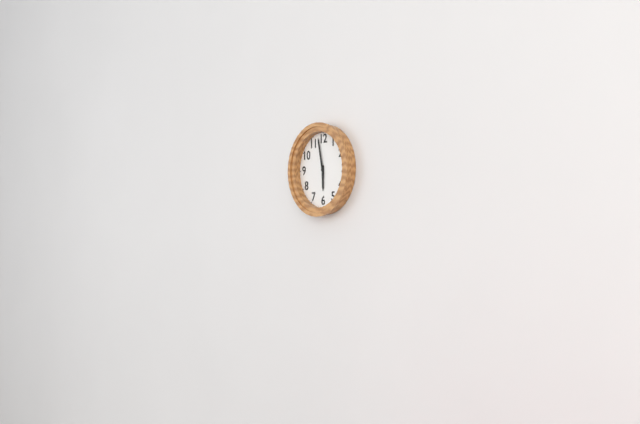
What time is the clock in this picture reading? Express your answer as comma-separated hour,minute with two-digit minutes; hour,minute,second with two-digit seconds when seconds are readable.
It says 5,58
